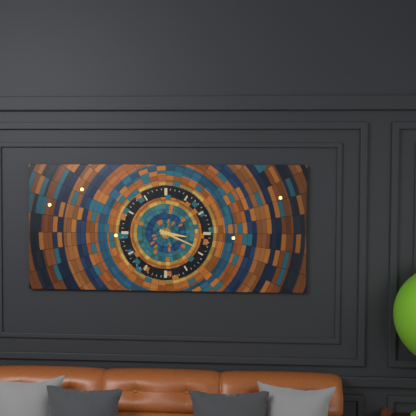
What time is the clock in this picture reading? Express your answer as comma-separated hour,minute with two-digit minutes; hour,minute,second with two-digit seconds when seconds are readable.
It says 3,19
